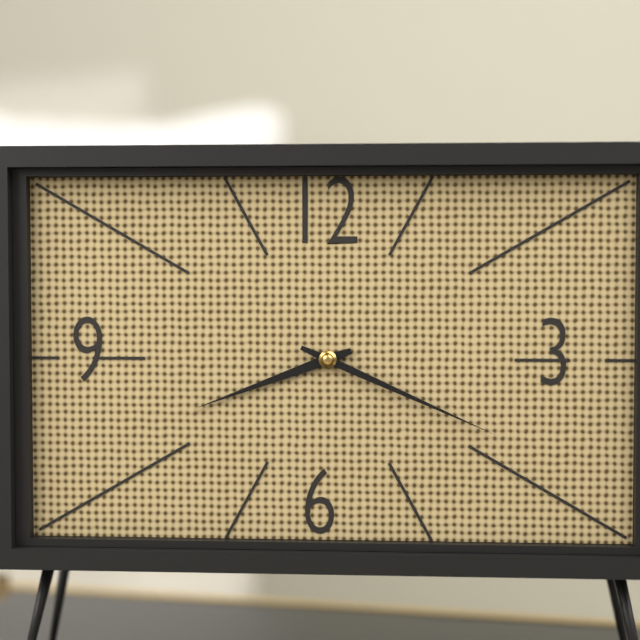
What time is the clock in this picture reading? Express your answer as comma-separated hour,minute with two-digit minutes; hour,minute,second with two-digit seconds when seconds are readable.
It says 8,19
